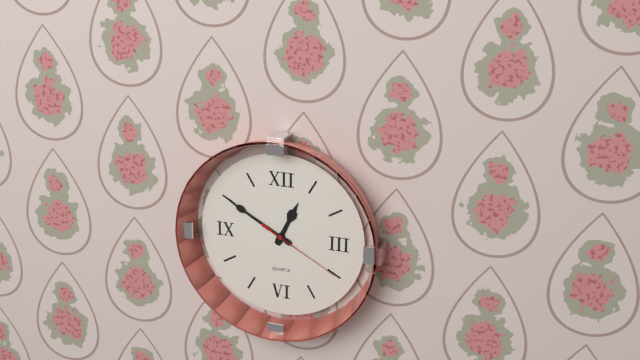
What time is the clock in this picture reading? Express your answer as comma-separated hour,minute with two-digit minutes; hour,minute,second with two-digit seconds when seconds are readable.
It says 12,50,20
